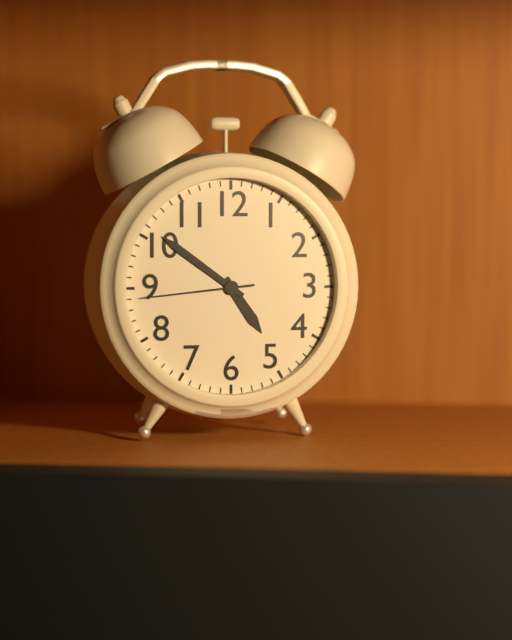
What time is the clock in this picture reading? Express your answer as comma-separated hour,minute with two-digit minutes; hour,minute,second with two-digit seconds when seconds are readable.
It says 4,51,44
